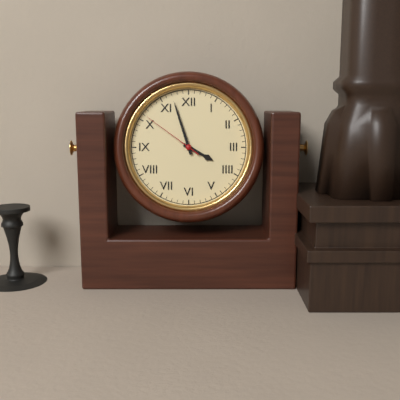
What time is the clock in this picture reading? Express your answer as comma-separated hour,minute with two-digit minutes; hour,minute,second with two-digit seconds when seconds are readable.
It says 3,57,51
